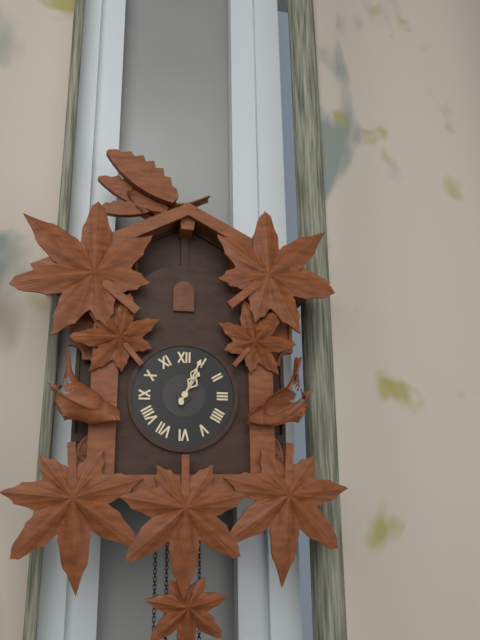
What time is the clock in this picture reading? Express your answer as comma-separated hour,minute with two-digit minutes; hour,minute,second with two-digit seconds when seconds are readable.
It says 1,04
